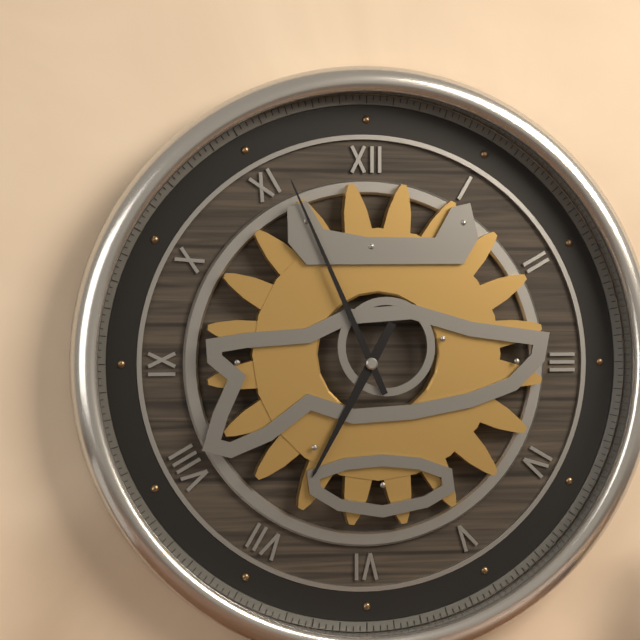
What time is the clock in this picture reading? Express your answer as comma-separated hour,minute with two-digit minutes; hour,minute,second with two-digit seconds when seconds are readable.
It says 6,56
